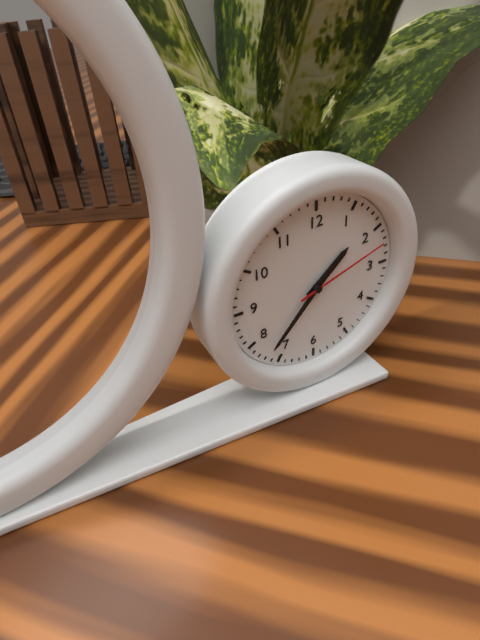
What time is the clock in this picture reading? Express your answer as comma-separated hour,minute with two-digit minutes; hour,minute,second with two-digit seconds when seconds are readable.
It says 1,37,12
